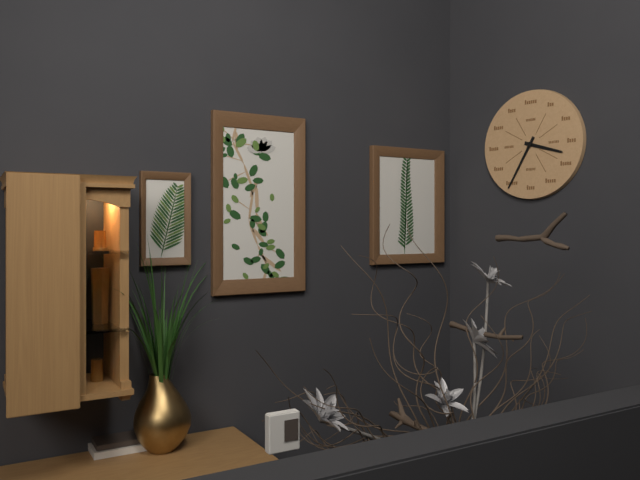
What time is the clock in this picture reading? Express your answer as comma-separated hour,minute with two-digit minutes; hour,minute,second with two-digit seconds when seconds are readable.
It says 3,35
